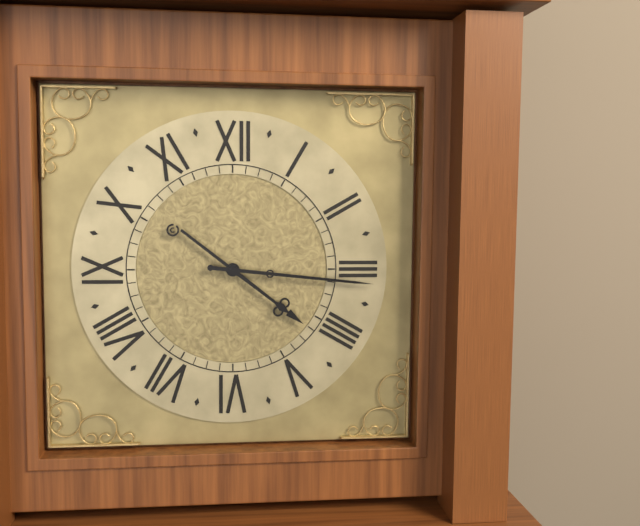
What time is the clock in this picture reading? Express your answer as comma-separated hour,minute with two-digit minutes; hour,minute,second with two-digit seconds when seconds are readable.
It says 4,16
